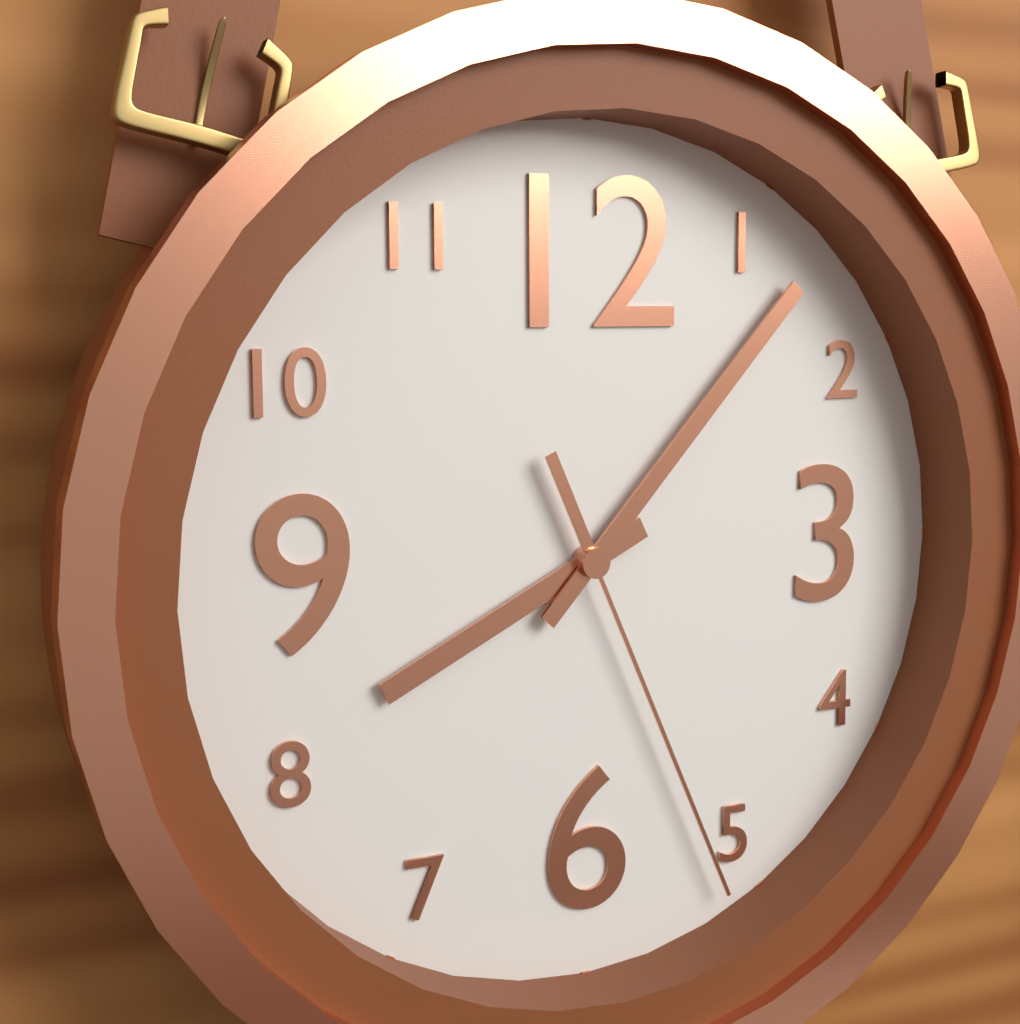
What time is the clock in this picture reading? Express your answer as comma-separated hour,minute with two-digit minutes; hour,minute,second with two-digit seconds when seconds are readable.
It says 8,07,26
